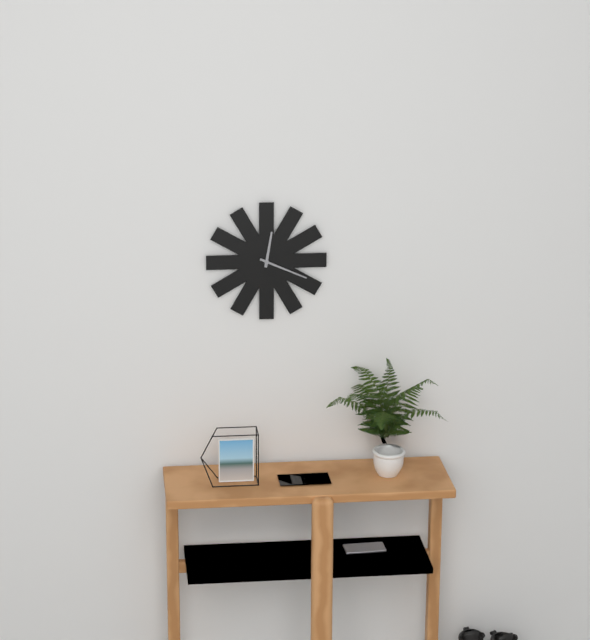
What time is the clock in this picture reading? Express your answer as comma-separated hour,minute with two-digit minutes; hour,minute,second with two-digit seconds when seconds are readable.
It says 12,19
